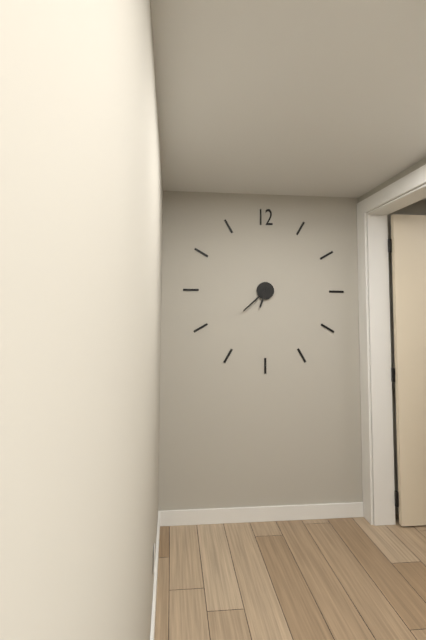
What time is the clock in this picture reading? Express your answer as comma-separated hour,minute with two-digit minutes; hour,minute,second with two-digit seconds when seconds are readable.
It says 6,38
